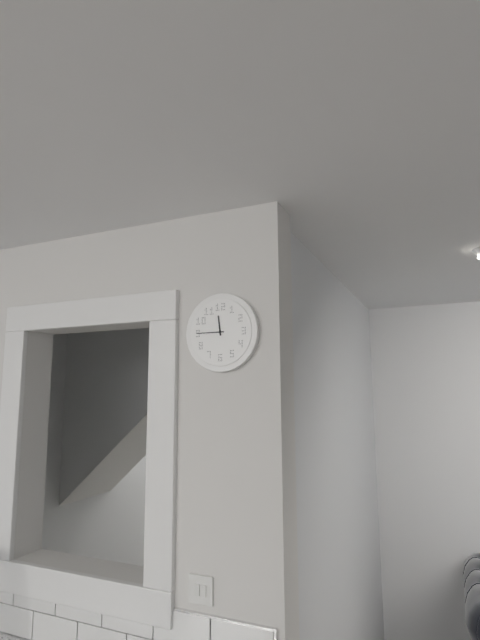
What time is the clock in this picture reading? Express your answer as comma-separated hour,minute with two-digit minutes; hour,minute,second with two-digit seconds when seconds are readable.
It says 11,45
